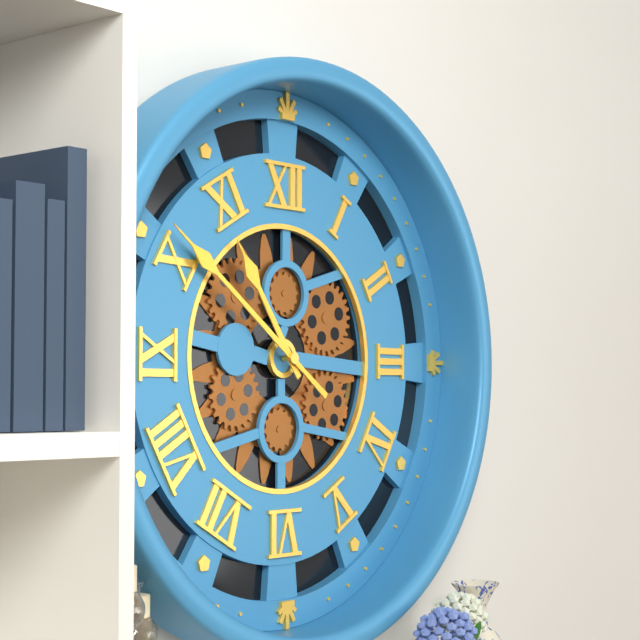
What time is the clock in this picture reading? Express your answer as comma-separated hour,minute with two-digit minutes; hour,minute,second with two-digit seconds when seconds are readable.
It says 10,51
